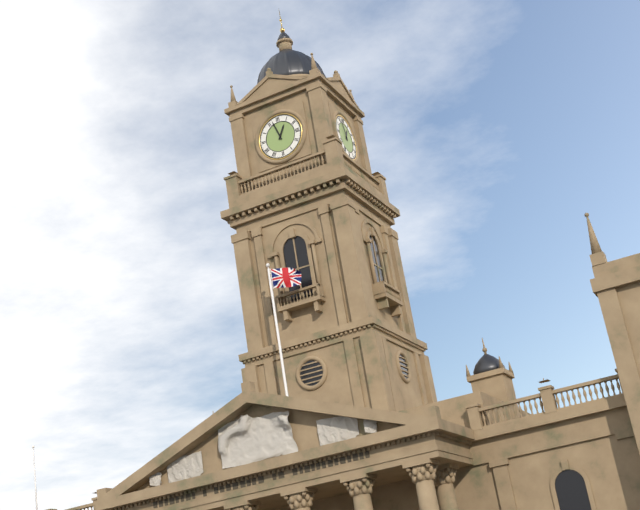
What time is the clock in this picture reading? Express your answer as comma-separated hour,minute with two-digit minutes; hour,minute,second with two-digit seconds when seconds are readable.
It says 12,57
